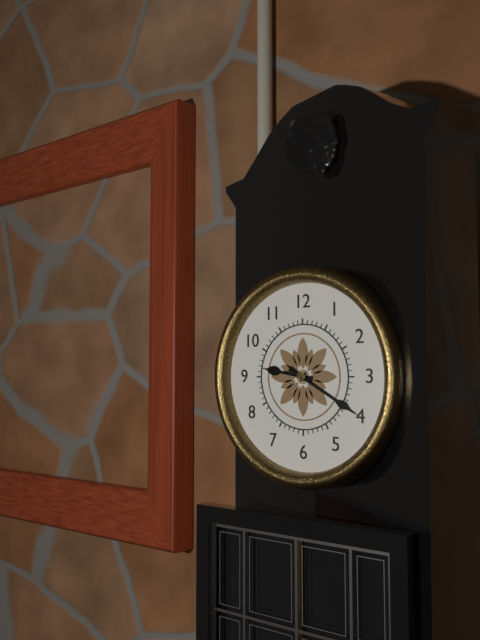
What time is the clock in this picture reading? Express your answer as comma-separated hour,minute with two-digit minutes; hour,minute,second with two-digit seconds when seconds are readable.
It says 9,20
